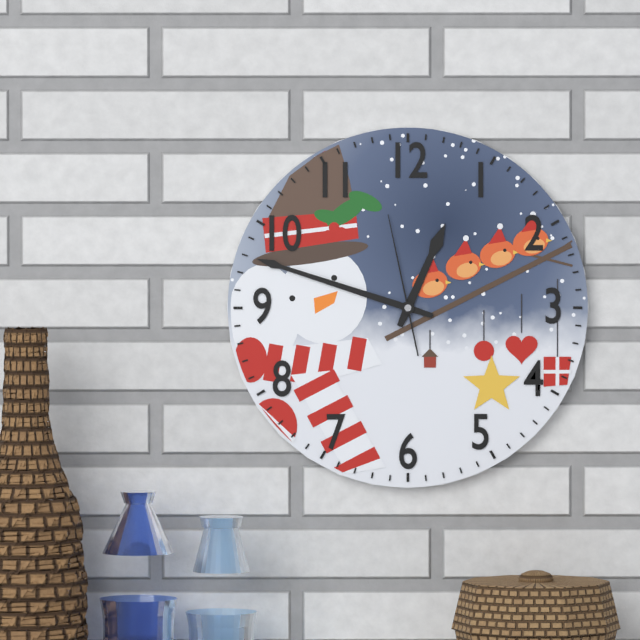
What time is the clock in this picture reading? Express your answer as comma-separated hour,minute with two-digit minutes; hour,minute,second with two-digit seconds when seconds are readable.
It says 12,48,58
